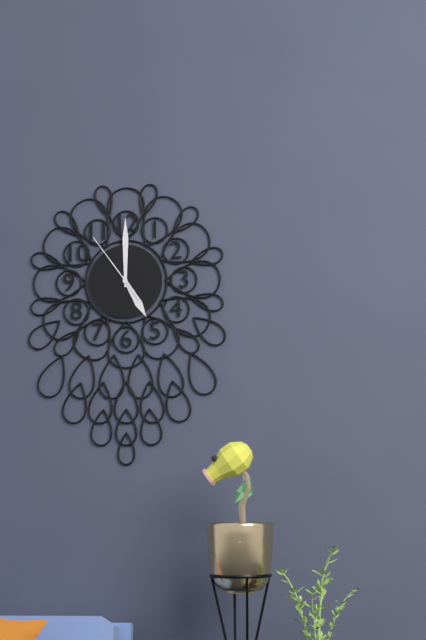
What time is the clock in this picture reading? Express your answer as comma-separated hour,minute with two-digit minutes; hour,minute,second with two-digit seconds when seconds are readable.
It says 5,00,54
